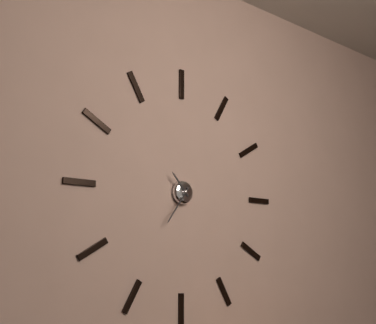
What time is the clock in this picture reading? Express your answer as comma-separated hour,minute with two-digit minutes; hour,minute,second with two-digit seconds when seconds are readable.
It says 10,36
